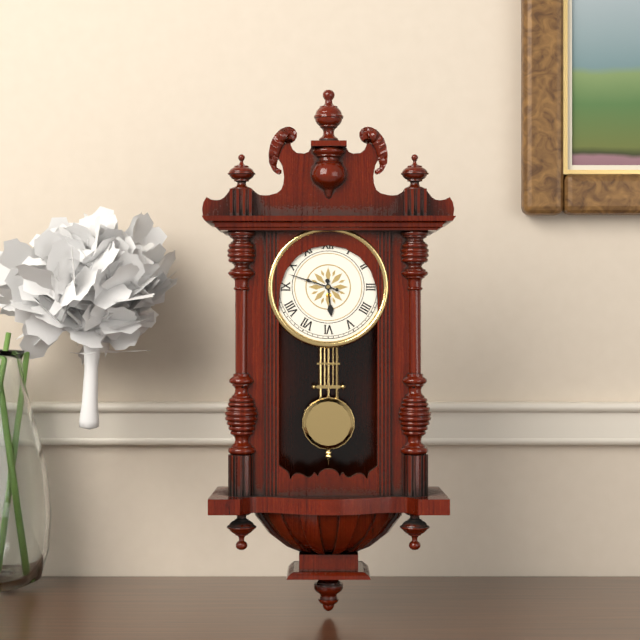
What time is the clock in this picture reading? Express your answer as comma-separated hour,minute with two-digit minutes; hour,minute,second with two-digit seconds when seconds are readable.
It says 5,48
